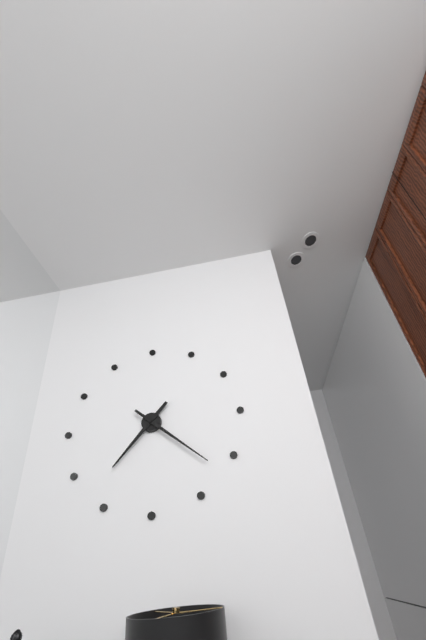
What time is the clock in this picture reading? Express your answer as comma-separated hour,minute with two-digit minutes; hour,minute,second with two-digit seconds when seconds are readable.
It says 7,22
